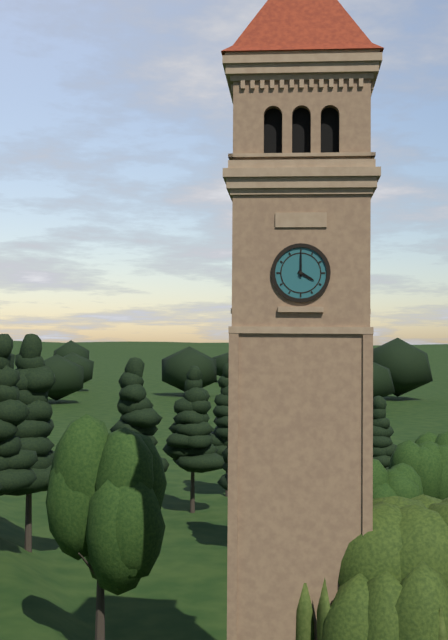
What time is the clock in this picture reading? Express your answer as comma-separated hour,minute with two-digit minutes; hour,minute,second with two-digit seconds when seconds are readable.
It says 4,00
